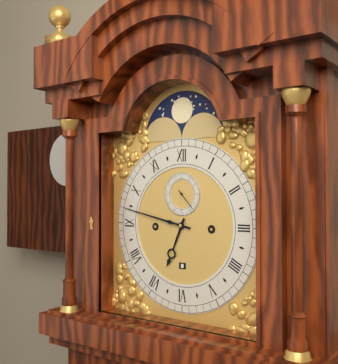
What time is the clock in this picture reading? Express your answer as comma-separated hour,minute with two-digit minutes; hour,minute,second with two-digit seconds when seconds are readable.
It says 6,47
